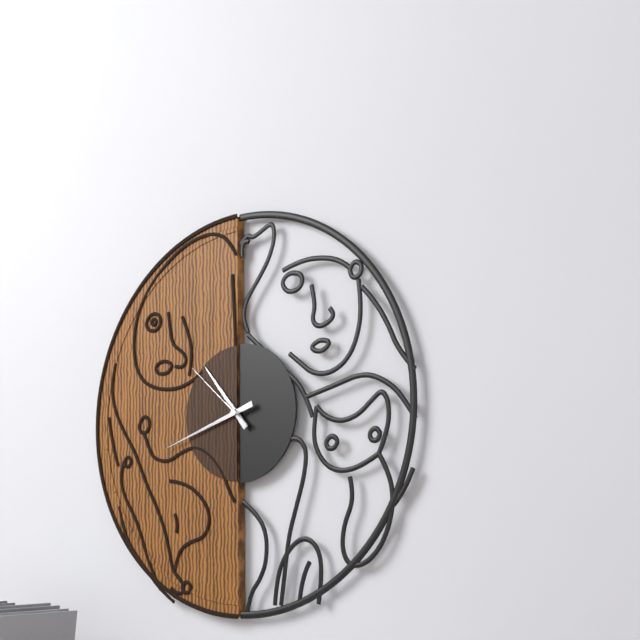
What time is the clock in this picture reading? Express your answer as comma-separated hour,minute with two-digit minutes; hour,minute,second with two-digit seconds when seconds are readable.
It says 10,42,52
